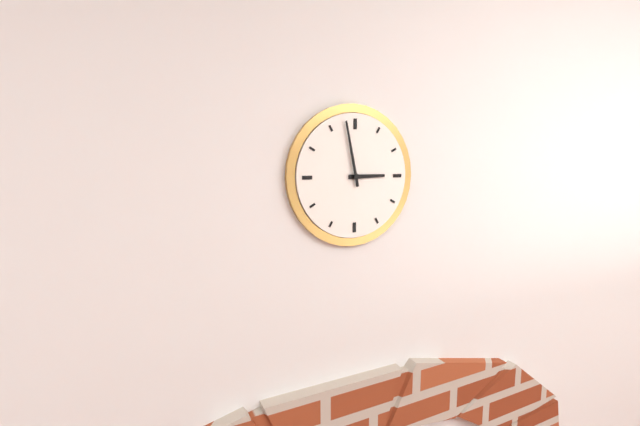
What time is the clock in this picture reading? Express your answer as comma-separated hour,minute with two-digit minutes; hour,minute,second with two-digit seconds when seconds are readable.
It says 2,58
